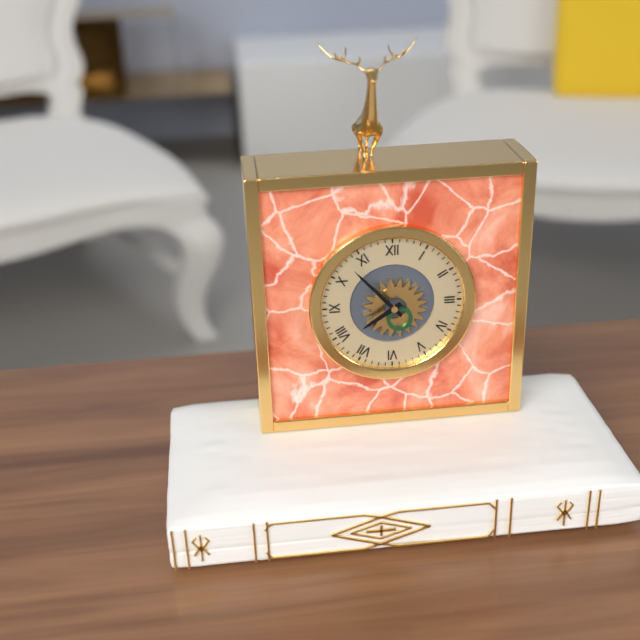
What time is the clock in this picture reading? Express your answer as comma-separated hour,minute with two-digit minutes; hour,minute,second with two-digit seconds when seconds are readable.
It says 7,53
